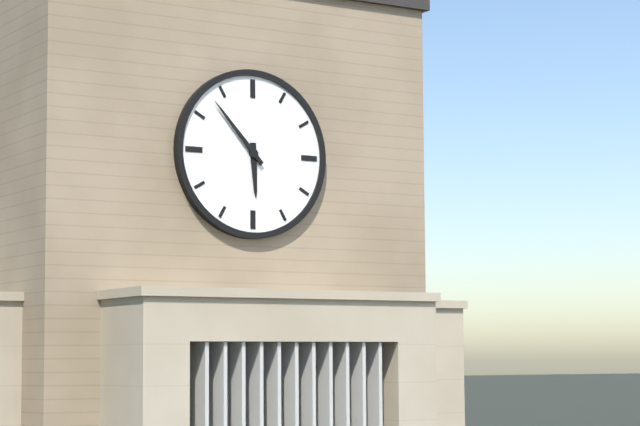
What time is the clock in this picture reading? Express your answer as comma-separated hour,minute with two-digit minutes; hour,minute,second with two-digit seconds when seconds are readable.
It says 5,53
